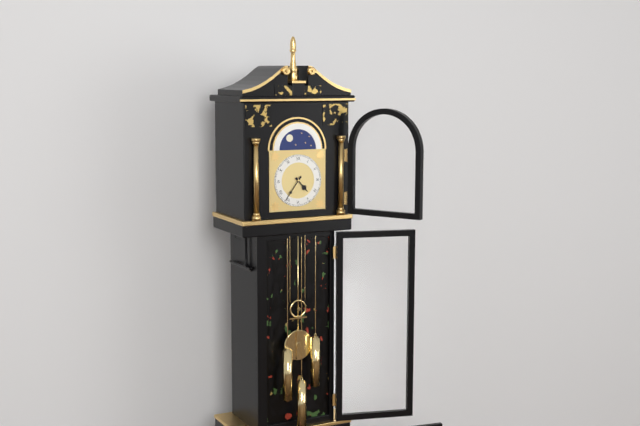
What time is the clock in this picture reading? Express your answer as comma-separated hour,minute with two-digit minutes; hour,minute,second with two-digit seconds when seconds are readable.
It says 4,36
